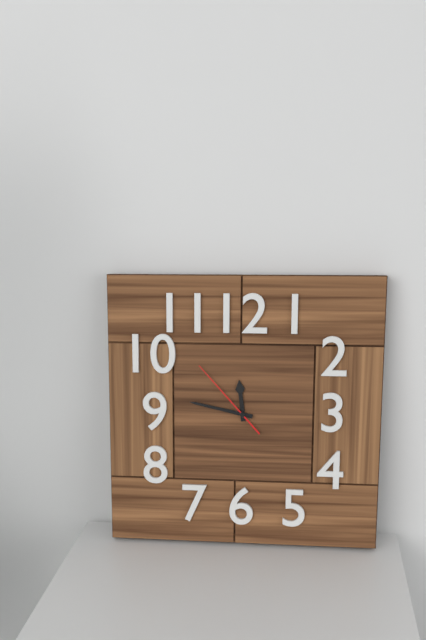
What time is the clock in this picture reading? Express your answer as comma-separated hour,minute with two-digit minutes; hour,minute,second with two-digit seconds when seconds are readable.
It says 11,47,53
